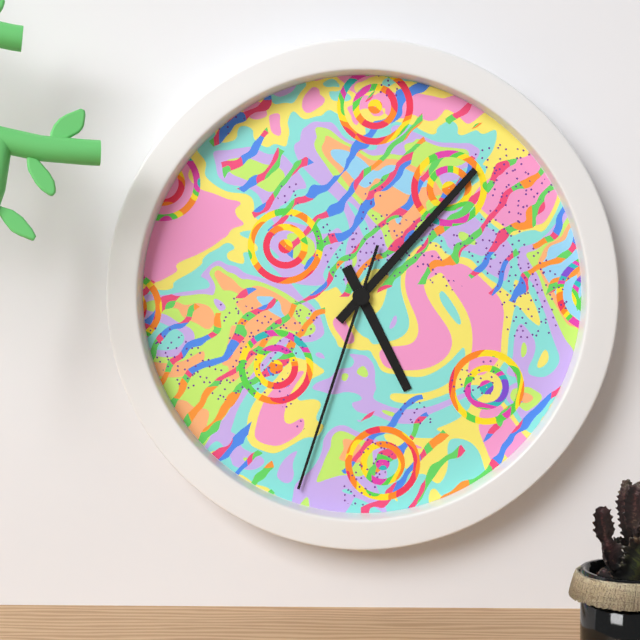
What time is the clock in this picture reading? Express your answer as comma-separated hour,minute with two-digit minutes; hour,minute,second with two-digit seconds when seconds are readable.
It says 5,07,33
